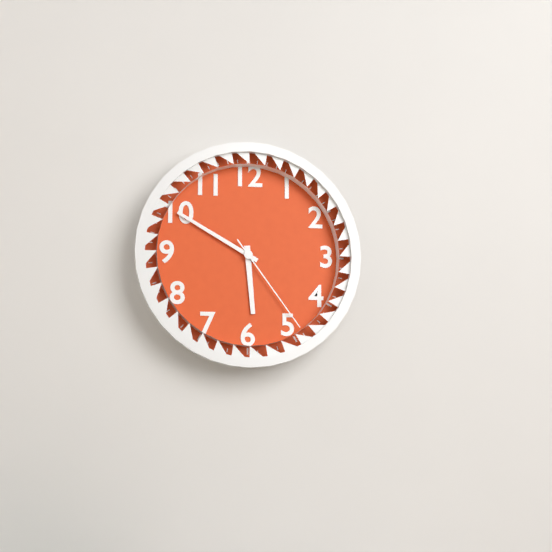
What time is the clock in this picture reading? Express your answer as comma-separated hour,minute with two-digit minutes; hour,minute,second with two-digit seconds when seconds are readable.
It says 5,50,24
